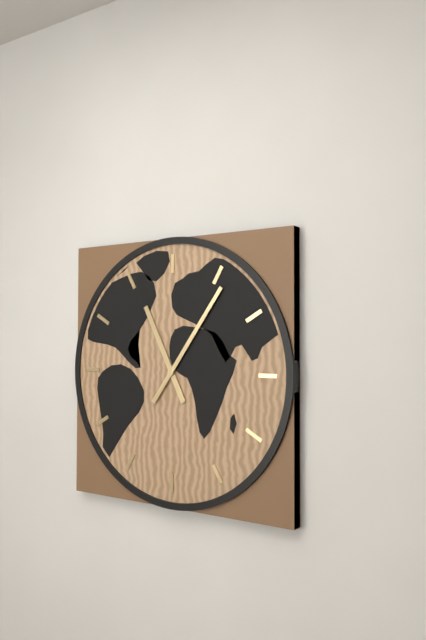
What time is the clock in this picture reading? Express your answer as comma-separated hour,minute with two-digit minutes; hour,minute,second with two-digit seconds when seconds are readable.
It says 11,06
